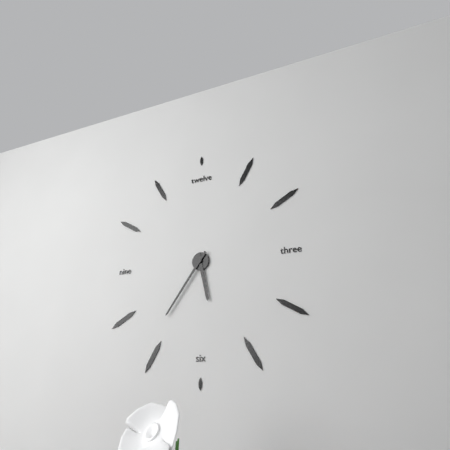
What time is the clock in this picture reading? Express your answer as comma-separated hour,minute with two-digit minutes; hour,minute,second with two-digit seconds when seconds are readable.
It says 5,36
